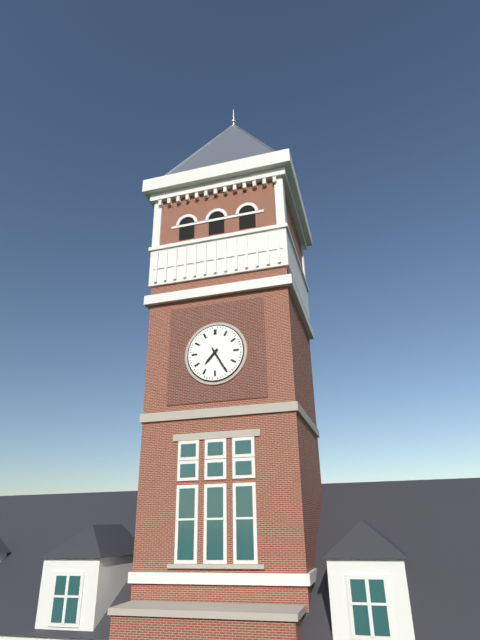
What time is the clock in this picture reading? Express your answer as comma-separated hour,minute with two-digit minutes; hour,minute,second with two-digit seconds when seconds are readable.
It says 7,25
